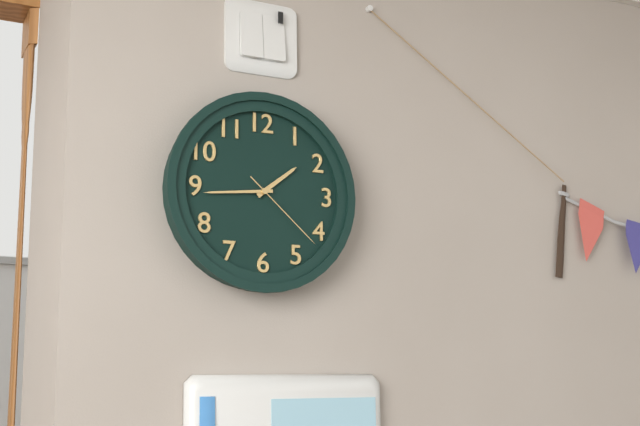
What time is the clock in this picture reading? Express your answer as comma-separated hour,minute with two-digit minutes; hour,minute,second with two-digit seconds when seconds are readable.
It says 1,44,22
